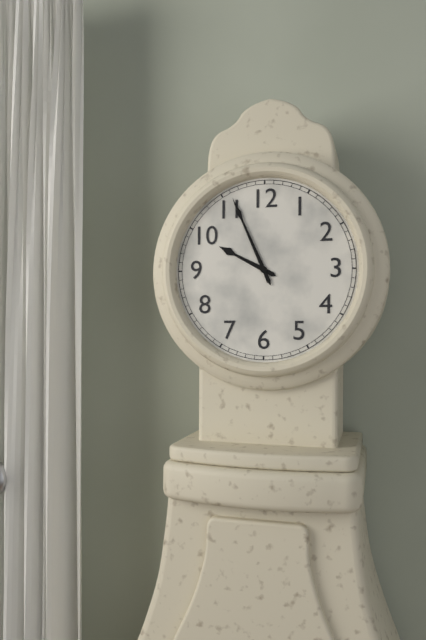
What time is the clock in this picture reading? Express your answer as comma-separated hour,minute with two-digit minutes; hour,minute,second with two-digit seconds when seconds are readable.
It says 9,56
